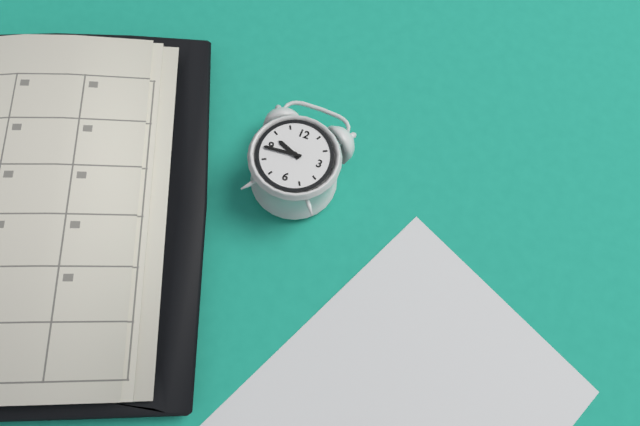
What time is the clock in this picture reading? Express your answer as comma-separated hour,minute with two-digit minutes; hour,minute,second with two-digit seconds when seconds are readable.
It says 9,44
